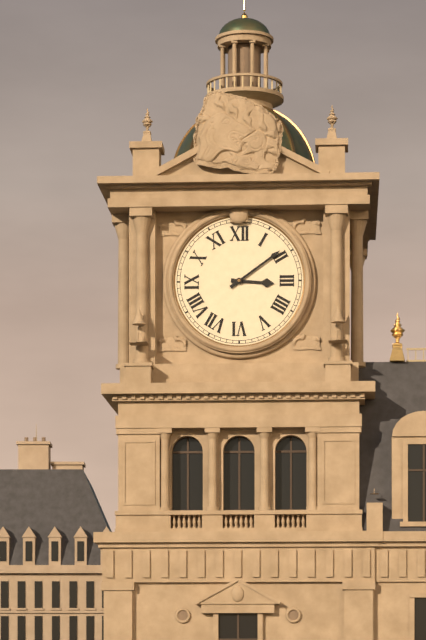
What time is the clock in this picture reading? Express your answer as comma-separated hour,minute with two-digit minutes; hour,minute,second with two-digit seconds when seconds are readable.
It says 3,09
